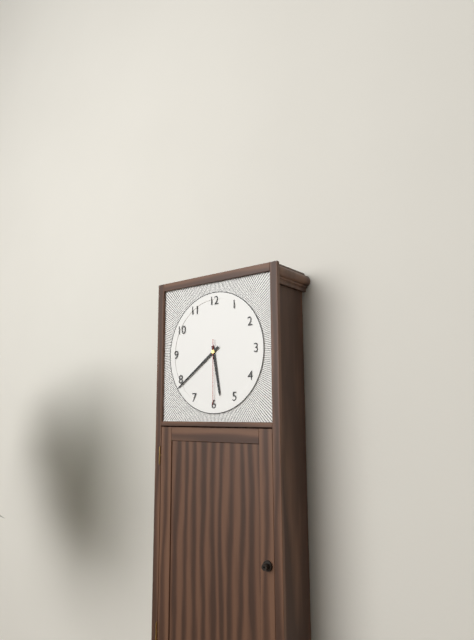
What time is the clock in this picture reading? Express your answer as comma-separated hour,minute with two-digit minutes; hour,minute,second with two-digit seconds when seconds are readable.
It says 5,39,30
